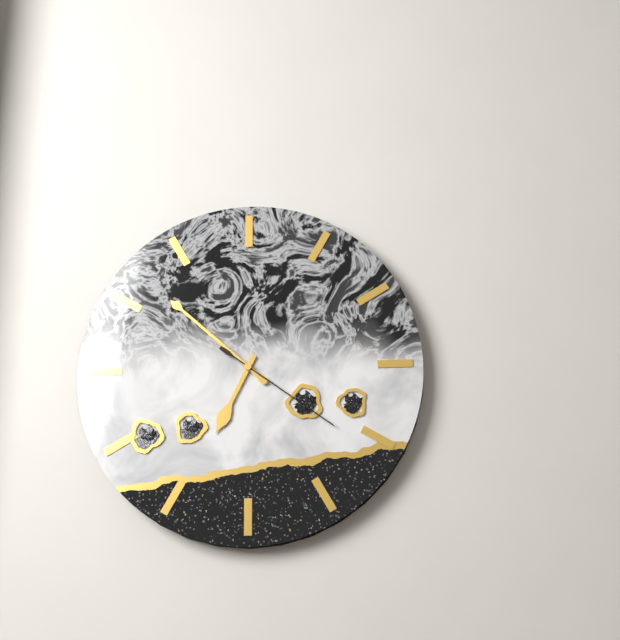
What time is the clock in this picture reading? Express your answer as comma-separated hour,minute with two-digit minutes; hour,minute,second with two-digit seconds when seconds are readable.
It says 6,52,21
